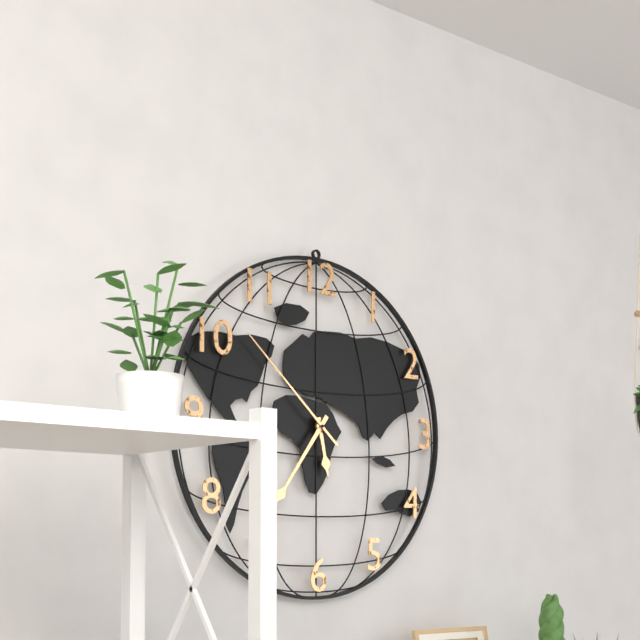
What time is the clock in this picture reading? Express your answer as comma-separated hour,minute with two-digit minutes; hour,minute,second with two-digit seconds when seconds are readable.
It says 5,36,52
